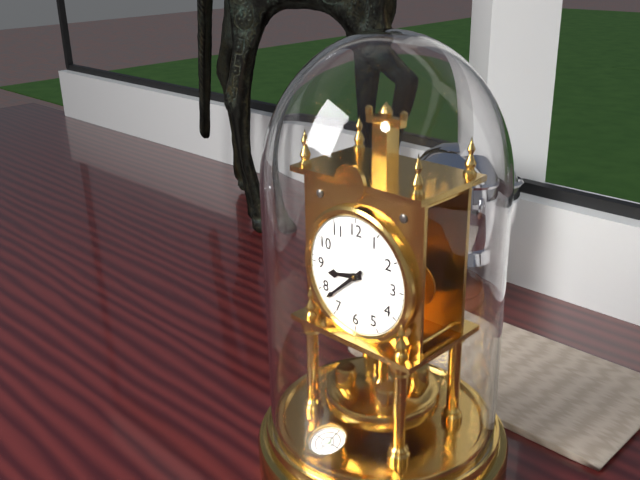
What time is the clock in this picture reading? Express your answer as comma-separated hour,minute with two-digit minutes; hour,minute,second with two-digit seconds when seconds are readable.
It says 8,38
